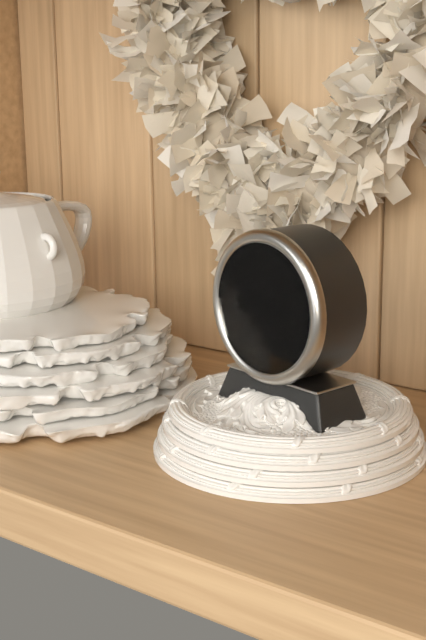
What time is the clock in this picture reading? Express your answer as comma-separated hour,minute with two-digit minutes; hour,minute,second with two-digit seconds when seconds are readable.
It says 10,43
